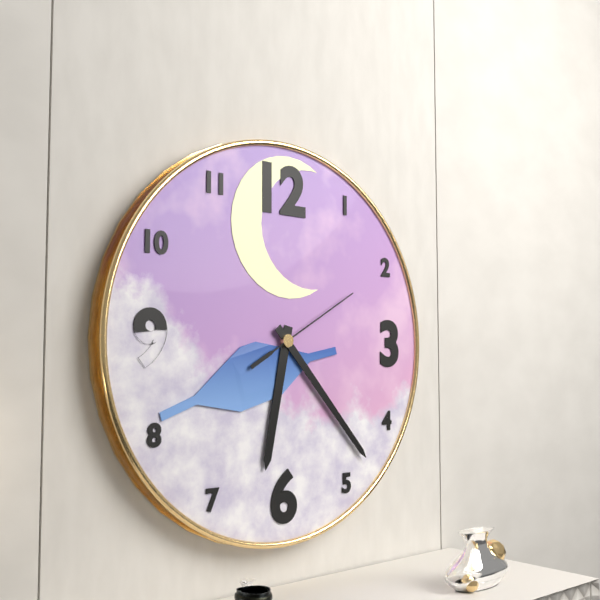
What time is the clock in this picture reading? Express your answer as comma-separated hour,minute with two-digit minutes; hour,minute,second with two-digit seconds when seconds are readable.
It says 6,23,10
